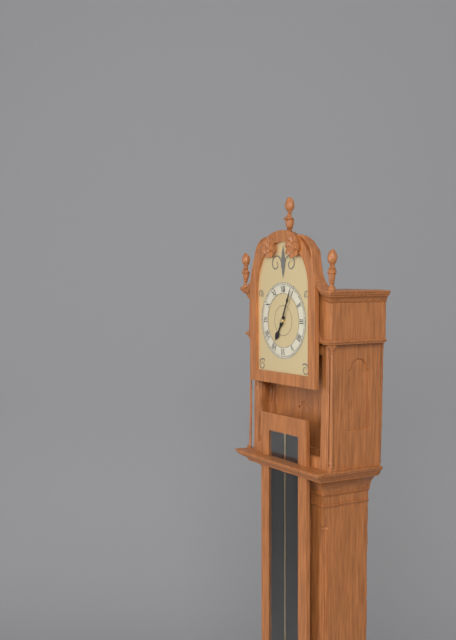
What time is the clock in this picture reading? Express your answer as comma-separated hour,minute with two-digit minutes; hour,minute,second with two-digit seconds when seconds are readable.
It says 7,04
